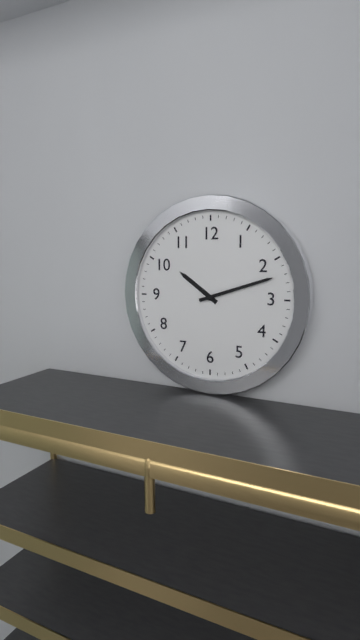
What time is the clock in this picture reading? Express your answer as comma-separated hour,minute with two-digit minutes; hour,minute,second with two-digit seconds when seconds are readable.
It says 10,12
